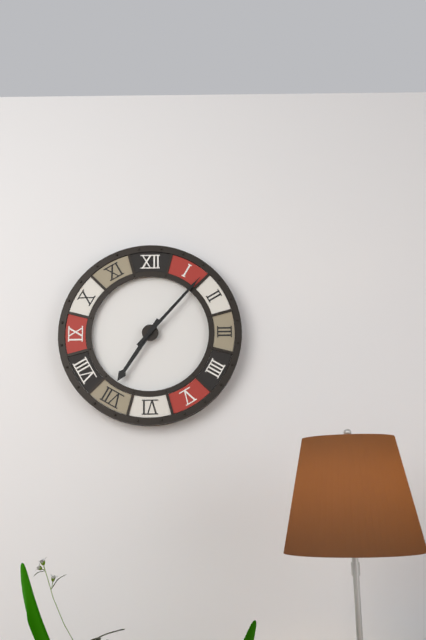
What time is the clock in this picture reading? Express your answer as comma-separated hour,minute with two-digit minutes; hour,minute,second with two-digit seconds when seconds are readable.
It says 7,07
